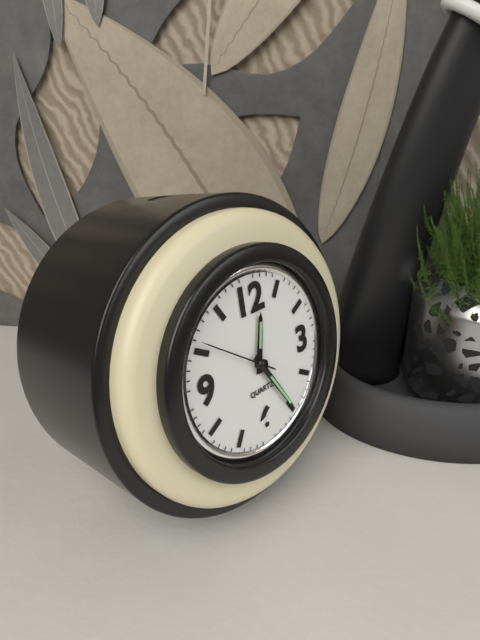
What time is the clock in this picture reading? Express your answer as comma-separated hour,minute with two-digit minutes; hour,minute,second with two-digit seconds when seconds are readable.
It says 12,25,51
